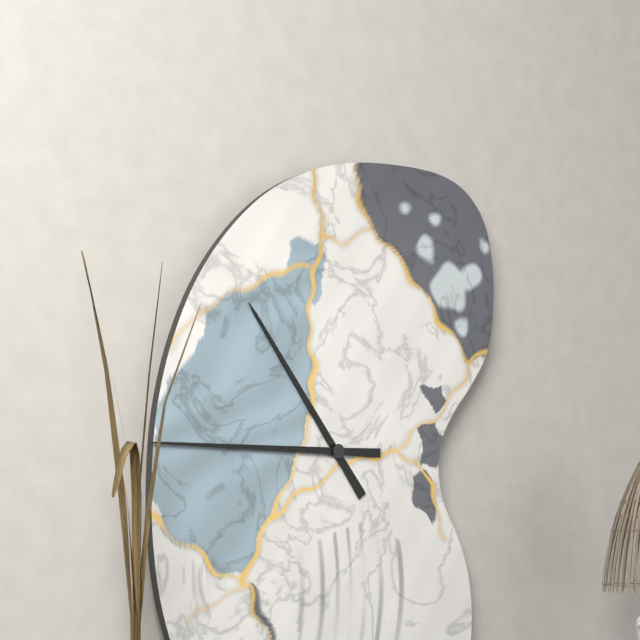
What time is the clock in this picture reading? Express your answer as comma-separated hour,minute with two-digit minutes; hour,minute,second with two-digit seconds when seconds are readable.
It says 10,45
